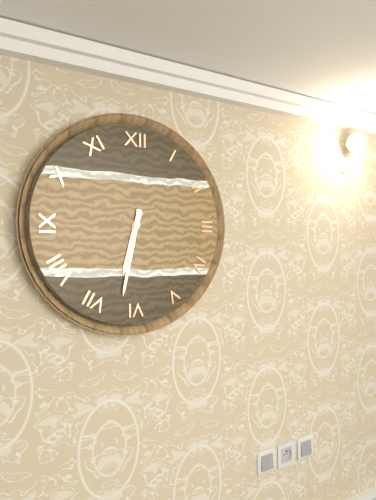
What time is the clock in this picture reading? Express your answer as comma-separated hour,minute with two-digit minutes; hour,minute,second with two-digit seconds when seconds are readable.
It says 6,32
